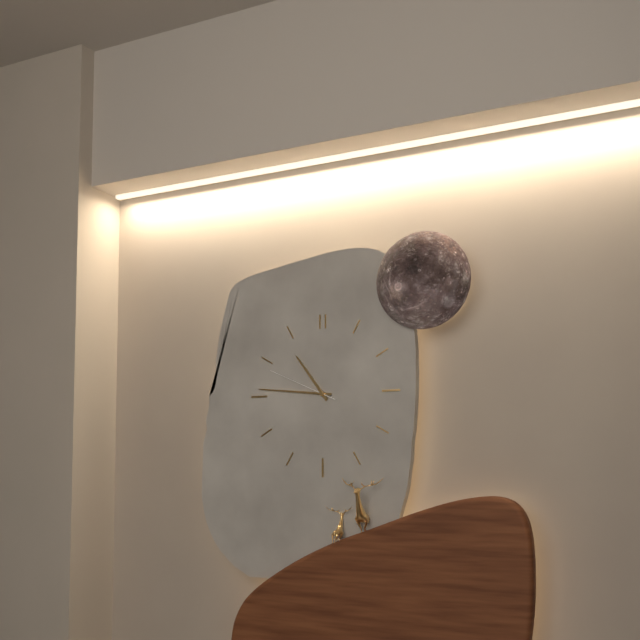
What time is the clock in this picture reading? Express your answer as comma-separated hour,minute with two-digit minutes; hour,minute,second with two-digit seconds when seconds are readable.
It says 10,46,49
